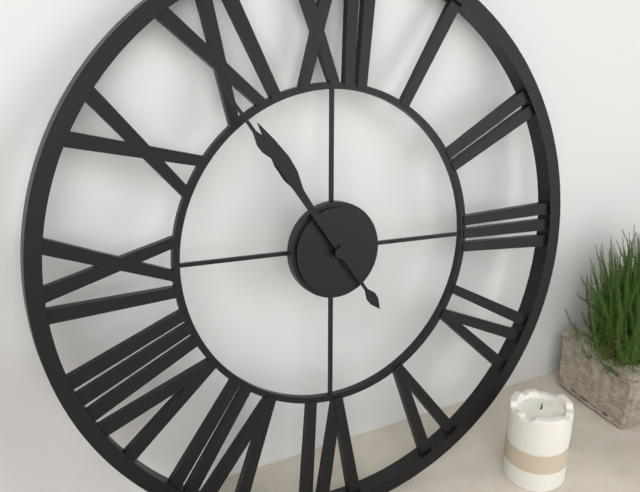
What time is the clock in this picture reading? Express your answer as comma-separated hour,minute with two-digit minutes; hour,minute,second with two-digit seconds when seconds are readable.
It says 10,54
